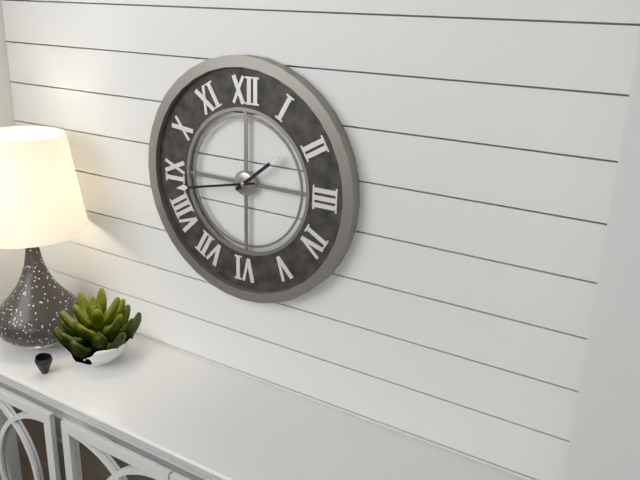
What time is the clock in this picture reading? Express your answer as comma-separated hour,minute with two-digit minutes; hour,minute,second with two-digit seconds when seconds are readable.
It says 1,43
